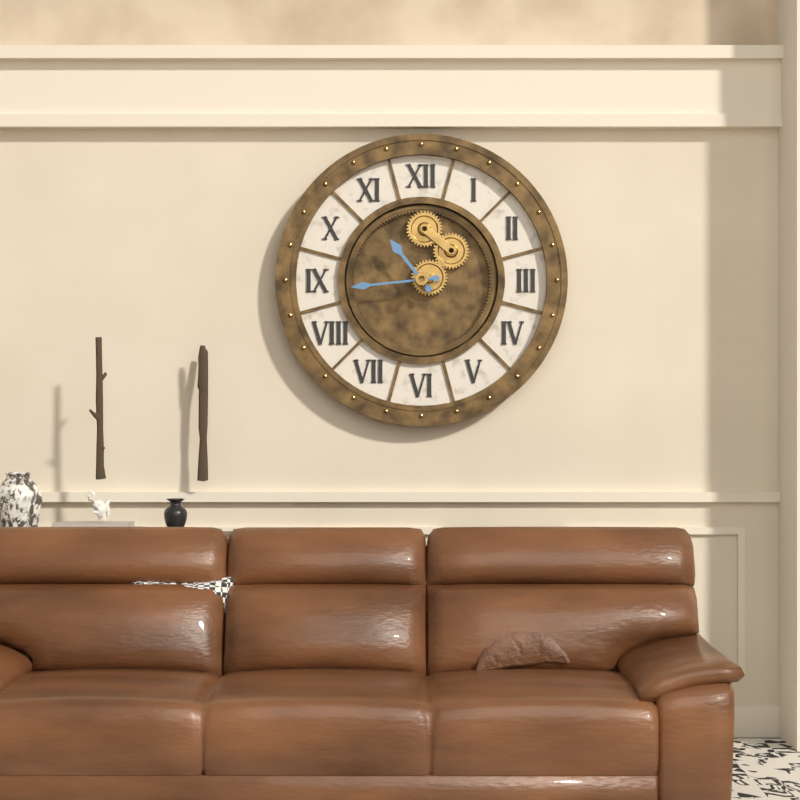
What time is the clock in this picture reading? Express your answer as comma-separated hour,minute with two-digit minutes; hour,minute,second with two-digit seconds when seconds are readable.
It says 10,44
